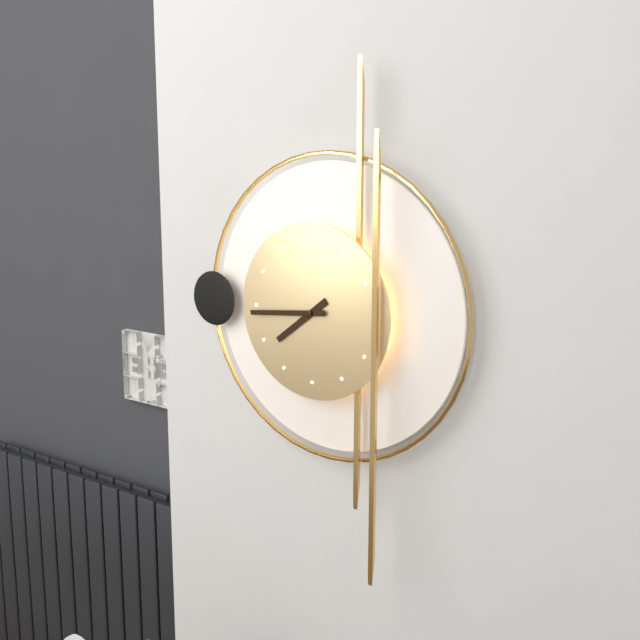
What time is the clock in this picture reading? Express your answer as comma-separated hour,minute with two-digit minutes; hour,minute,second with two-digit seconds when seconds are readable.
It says 7,44
